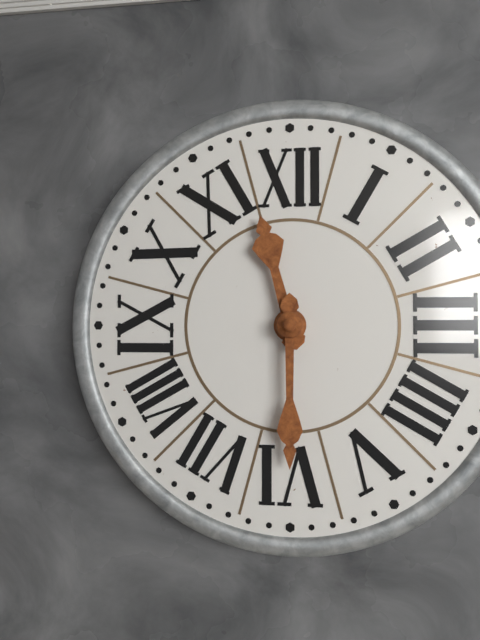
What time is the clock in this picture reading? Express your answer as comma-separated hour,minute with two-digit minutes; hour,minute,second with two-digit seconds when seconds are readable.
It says 11,30
